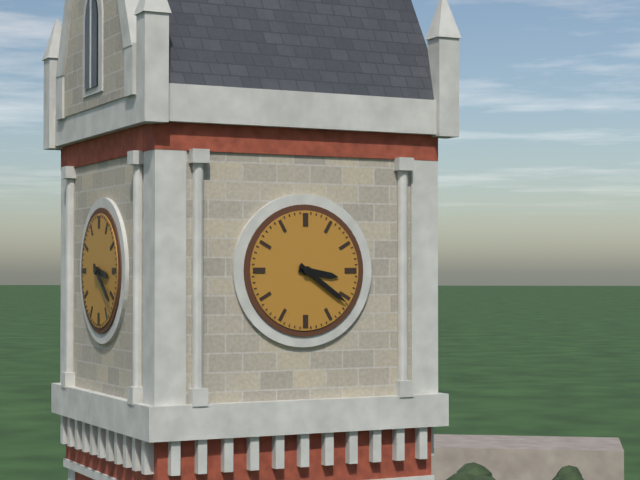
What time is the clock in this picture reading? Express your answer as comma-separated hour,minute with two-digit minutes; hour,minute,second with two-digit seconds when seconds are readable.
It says 3,21
